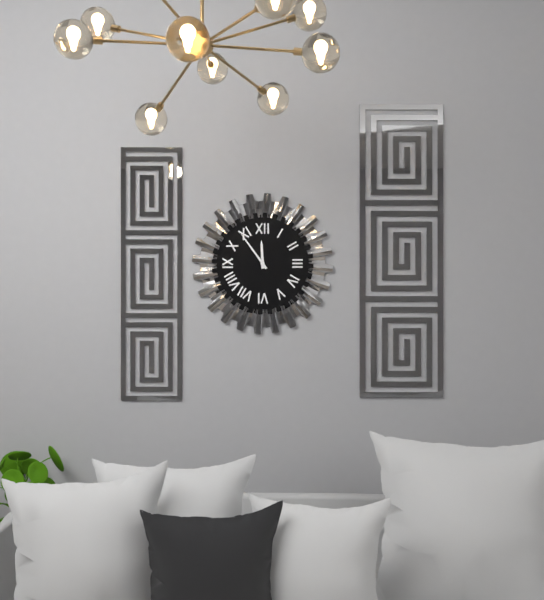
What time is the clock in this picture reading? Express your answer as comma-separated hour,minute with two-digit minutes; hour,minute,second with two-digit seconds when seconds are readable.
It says 11,54
